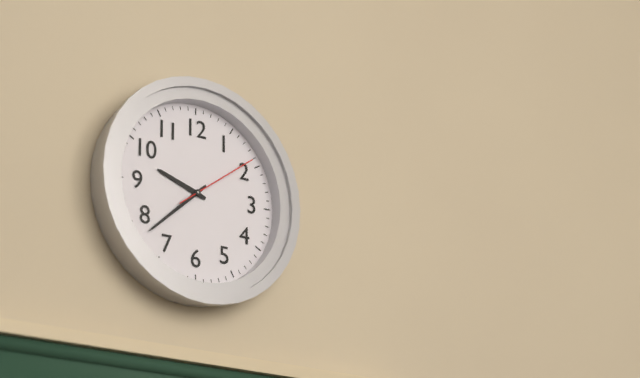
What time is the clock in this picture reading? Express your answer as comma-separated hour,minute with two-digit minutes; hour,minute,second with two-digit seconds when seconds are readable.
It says 9,38,09
